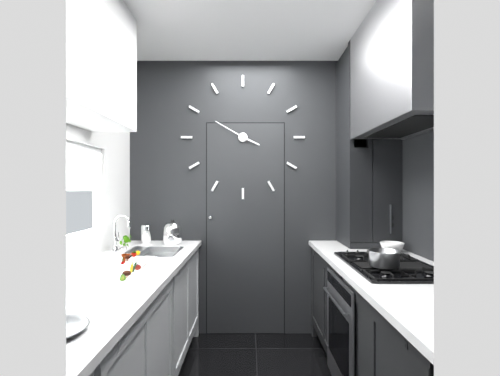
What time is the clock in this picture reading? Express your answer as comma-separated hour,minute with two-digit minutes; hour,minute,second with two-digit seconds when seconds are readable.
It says 3,50
